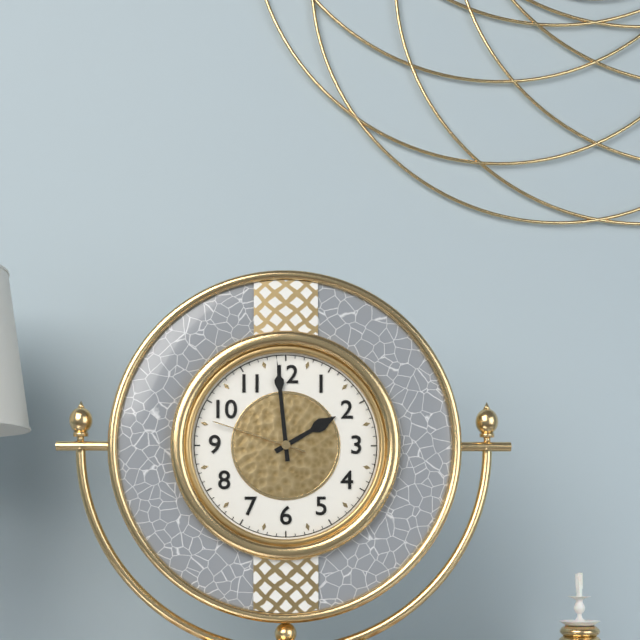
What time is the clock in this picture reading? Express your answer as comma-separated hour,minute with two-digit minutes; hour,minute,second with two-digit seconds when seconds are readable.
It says 1,59,48
